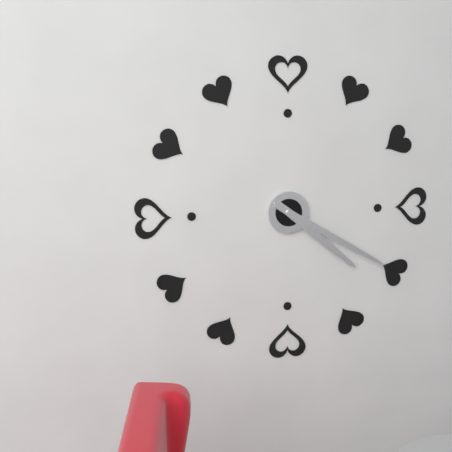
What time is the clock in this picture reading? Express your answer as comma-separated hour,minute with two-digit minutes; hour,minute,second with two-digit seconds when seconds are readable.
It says 4,20
